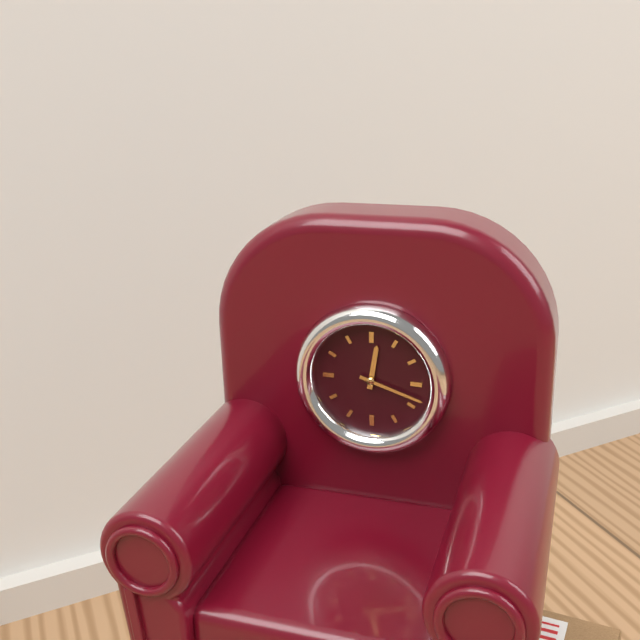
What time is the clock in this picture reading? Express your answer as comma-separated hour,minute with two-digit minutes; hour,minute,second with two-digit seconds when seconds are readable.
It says 12,18
